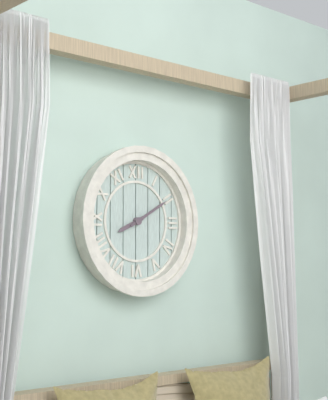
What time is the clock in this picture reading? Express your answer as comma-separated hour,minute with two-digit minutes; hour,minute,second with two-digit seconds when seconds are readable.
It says 8,10
